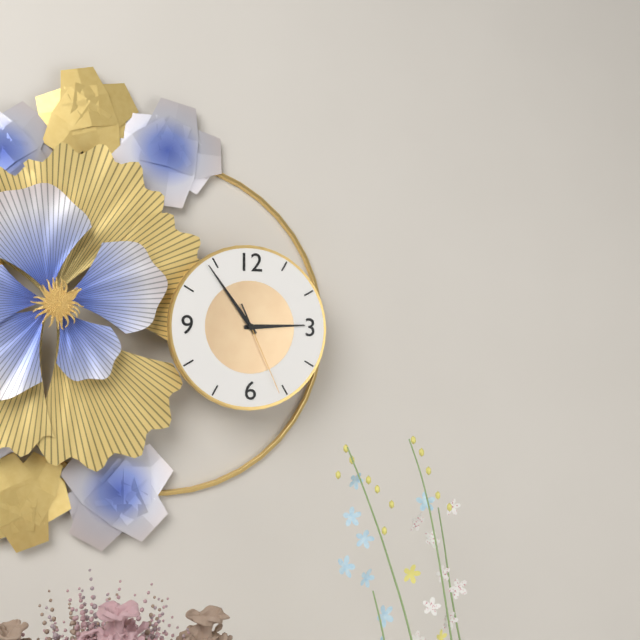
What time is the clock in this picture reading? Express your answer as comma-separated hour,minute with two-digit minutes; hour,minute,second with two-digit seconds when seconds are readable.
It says 2,54,26
